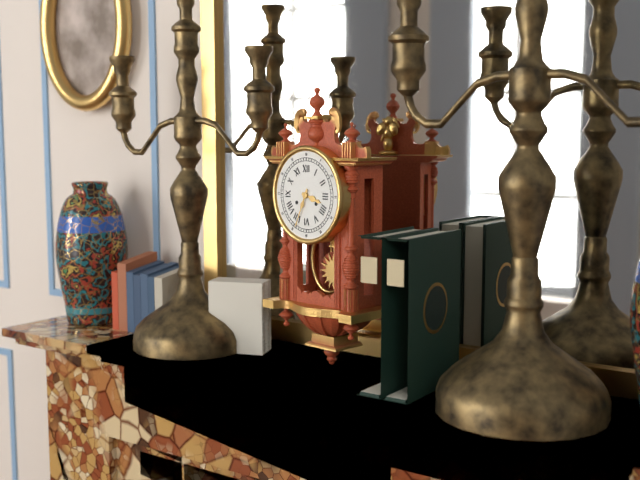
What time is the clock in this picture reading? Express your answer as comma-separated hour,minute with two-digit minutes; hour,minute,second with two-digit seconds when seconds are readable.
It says 3,34
